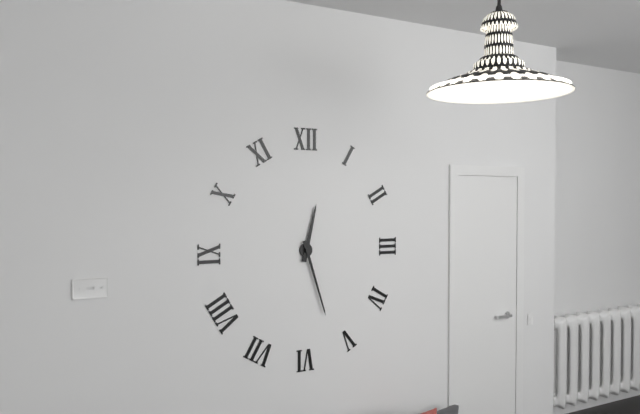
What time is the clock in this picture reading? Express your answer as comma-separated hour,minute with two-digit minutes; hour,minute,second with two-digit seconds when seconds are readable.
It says 12,27
